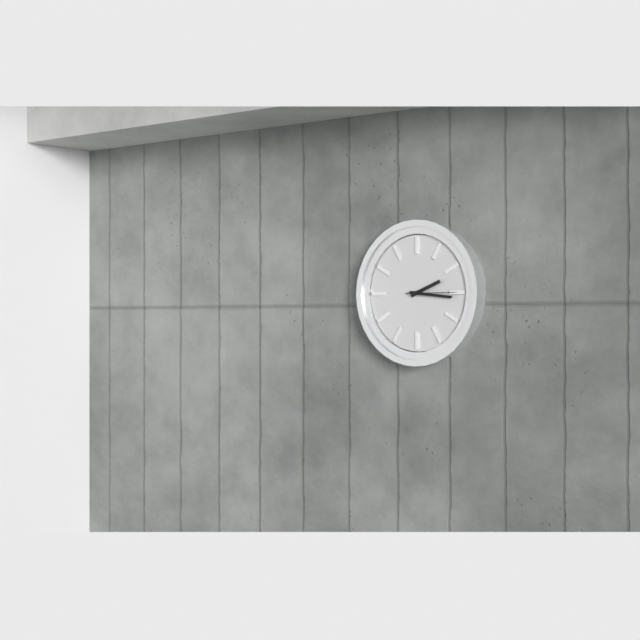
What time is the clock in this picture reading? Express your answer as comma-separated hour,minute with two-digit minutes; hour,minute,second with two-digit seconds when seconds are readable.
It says 2,16
